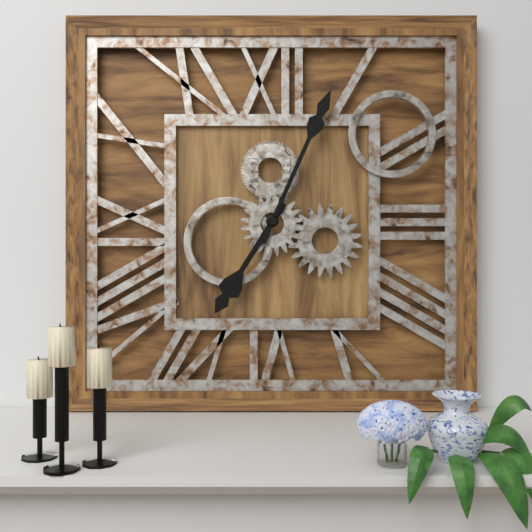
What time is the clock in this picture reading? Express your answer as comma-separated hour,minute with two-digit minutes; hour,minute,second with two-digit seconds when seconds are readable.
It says 7,04
